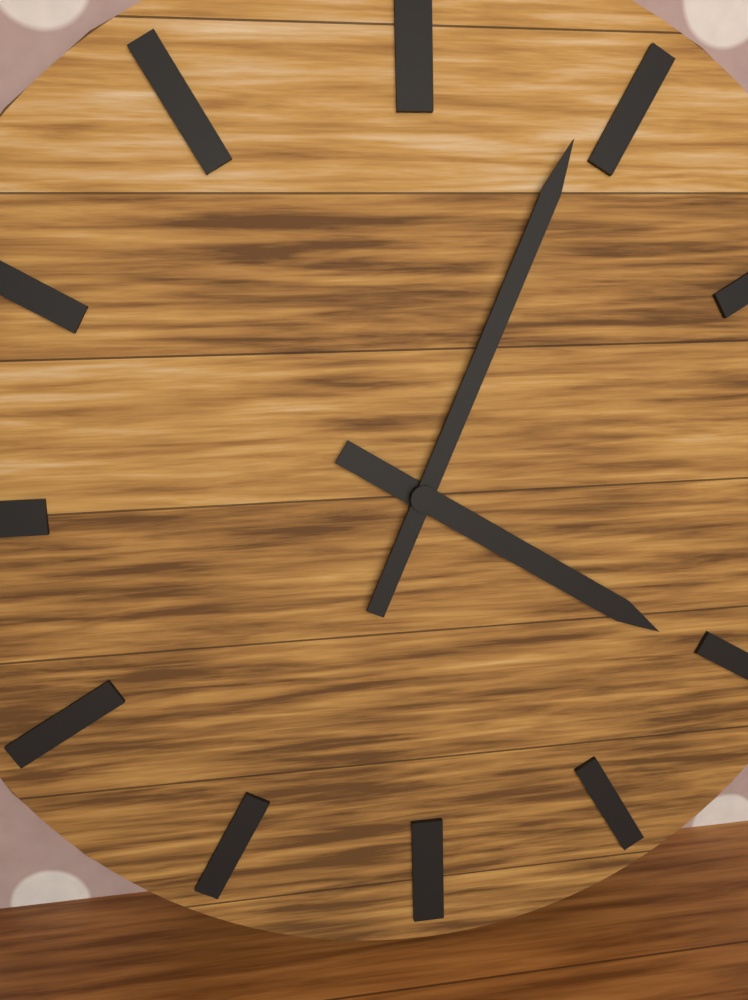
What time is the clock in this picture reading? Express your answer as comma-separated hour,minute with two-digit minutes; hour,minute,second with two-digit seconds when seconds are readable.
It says 4,04
